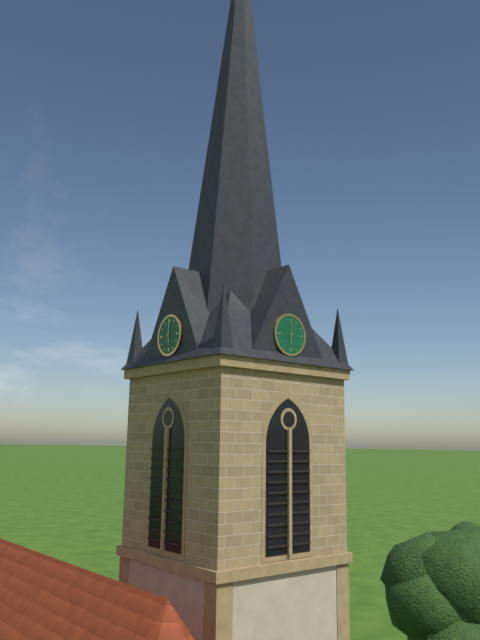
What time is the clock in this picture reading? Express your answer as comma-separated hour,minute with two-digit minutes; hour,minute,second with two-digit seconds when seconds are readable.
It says 6,00
